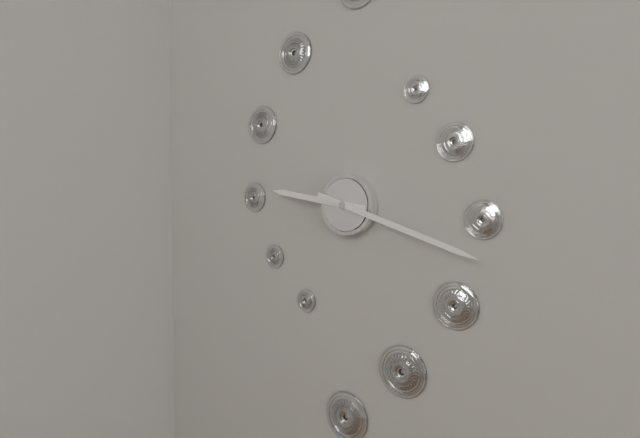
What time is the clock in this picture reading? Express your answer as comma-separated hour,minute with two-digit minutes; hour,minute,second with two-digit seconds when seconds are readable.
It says 9,18
